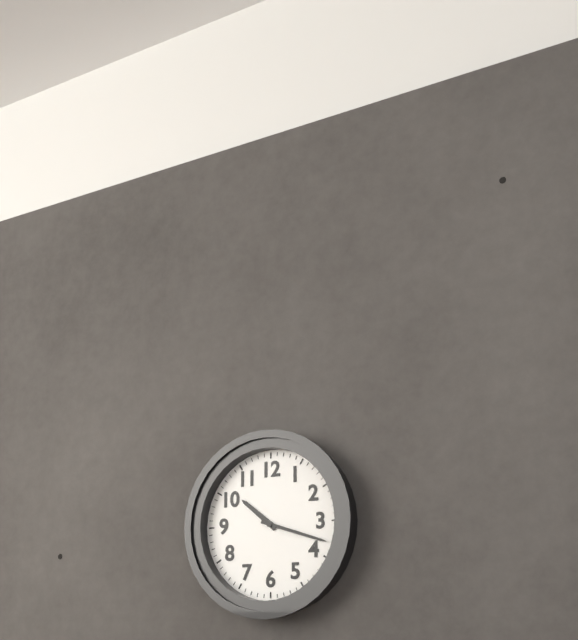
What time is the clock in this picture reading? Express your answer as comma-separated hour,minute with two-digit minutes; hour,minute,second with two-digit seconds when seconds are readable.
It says 10,18
